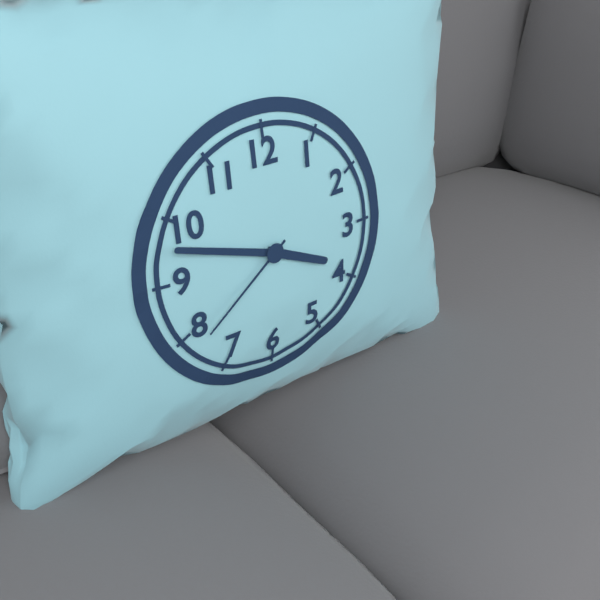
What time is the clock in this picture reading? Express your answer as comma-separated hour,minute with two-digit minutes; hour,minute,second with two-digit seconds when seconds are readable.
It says 3,48,39
